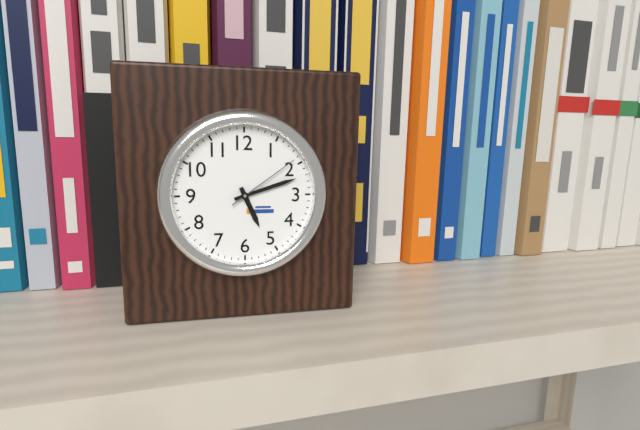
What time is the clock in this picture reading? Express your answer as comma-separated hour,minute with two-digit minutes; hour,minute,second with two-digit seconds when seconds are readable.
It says 5,12,09
